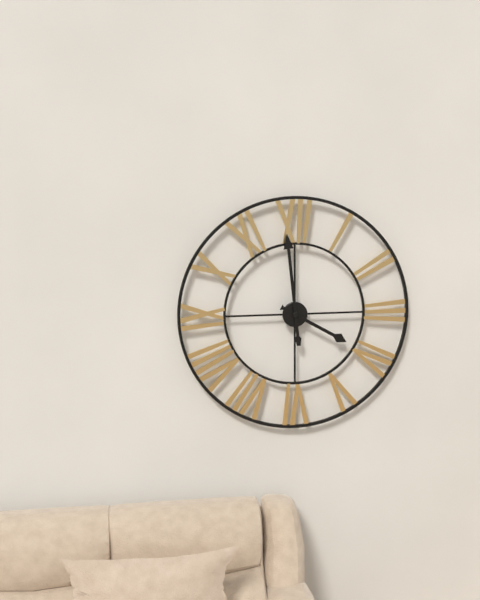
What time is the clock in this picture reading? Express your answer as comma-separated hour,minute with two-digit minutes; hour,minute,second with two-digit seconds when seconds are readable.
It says 3,59
